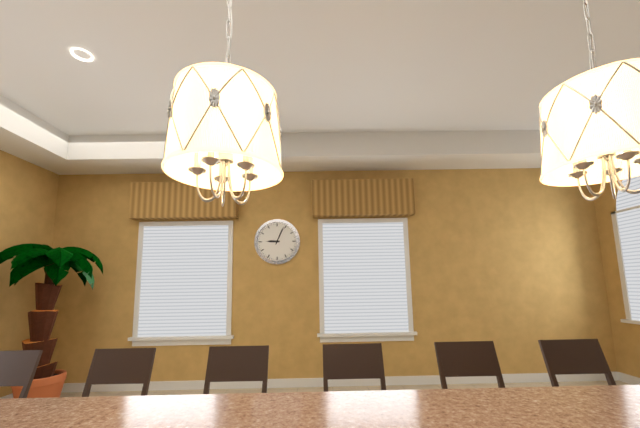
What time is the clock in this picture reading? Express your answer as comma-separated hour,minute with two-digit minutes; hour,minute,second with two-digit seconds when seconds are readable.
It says 9,04
